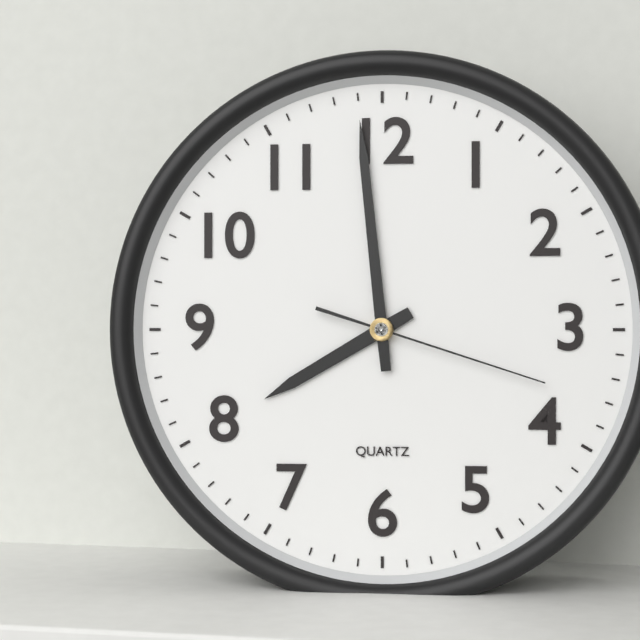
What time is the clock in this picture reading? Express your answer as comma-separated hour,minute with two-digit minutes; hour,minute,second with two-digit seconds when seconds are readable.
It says 7,59,18
